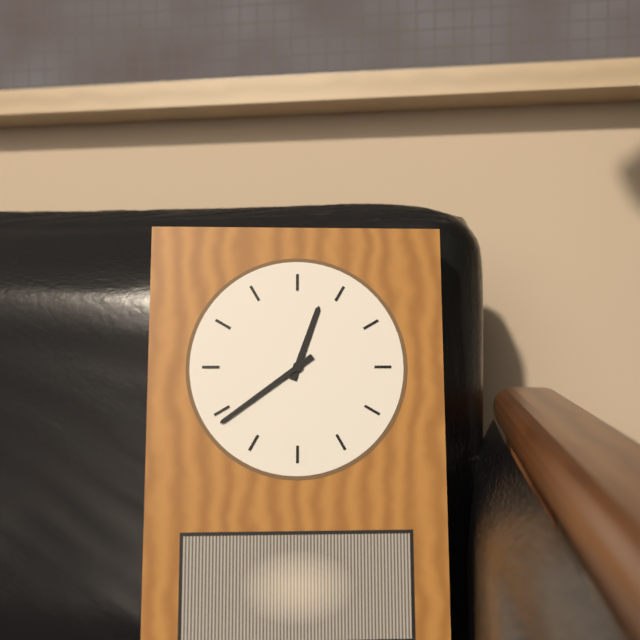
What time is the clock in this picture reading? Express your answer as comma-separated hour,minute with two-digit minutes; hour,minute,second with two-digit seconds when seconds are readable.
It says 12,39
